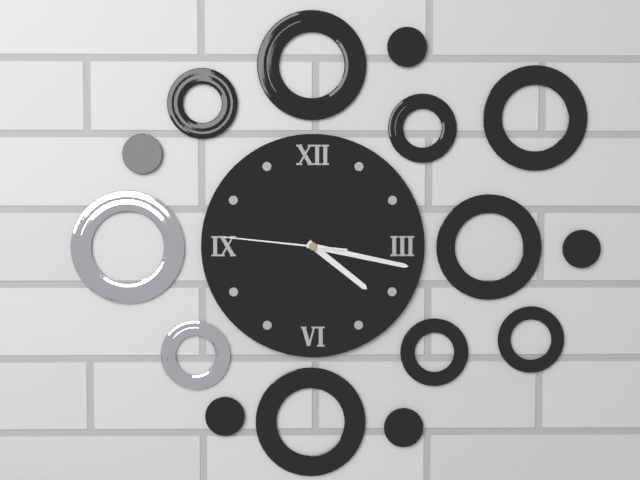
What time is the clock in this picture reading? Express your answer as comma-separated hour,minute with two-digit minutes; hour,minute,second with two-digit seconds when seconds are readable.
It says 4,17,46
